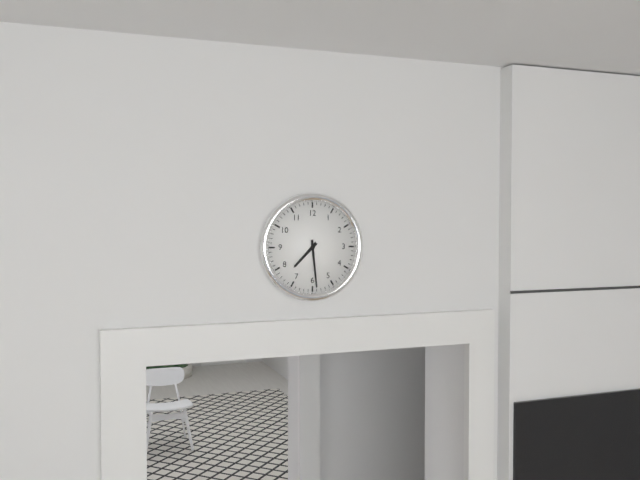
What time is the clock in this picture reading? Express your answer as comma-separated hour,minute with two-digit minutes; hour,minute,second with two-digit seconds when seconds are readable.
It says 7,29
